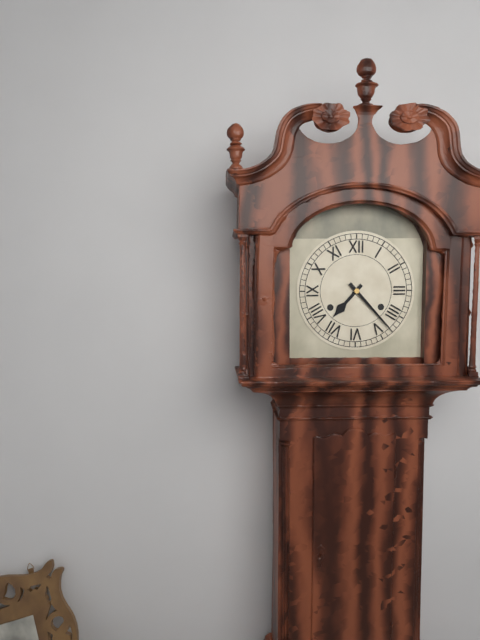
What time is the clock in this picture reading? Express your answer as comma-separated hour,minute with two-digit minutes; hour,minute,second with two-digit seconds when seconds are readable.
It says 7,23
